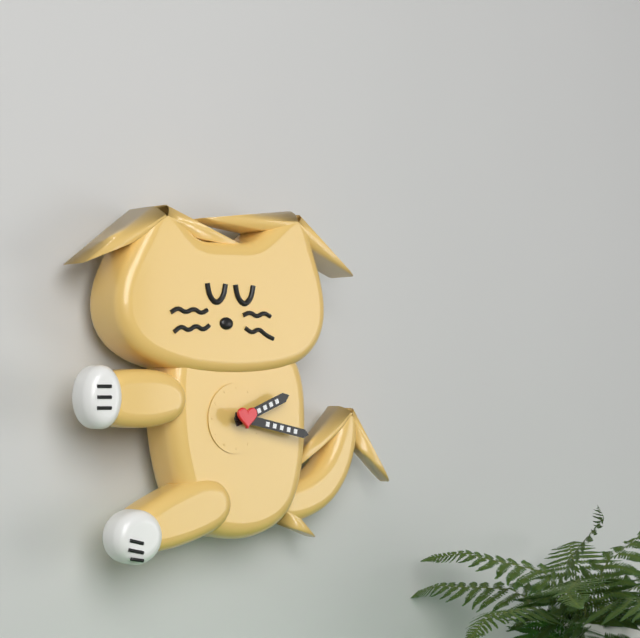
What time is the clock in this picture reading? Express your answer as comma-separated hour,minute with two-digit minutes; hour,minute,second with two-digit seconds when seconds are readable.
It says 2,17
